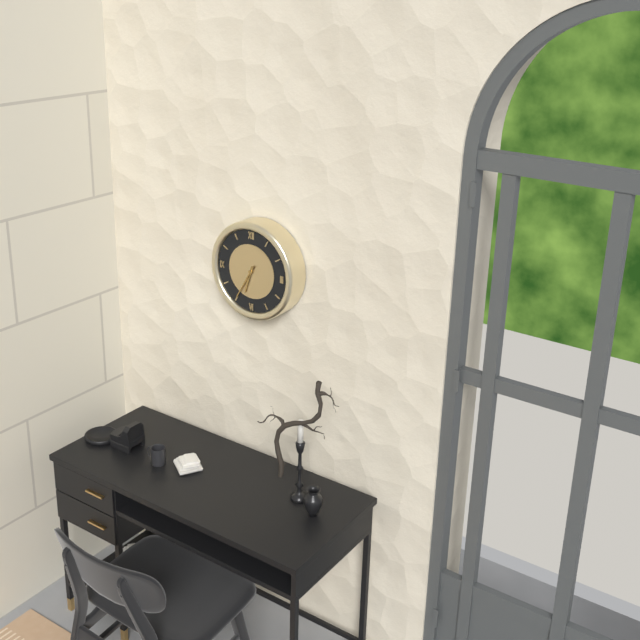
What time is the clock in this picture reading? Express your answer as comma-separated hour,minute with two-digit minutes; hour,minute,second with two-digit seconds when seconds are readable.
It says 6,35
